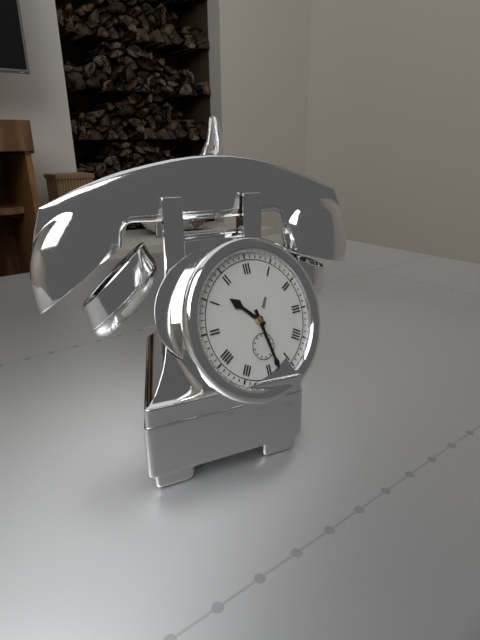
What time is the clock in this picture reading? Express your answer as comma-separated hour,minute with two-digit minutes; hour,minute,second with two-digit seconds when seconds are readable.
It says 10,28
